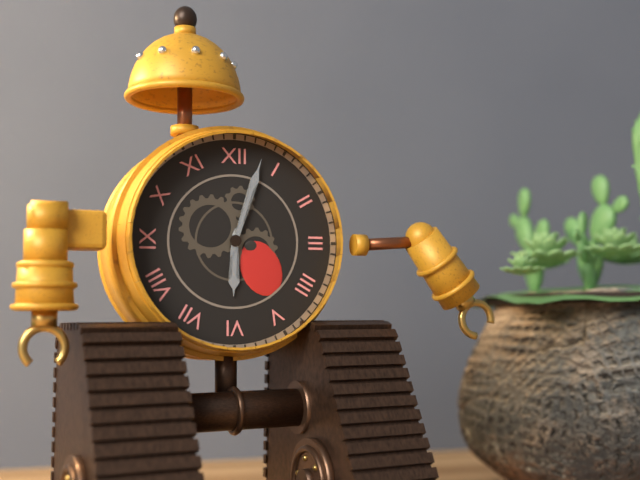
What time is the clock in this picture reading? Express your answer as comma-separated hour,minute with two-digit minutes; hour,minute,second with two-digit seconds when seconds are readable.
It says 6,03
